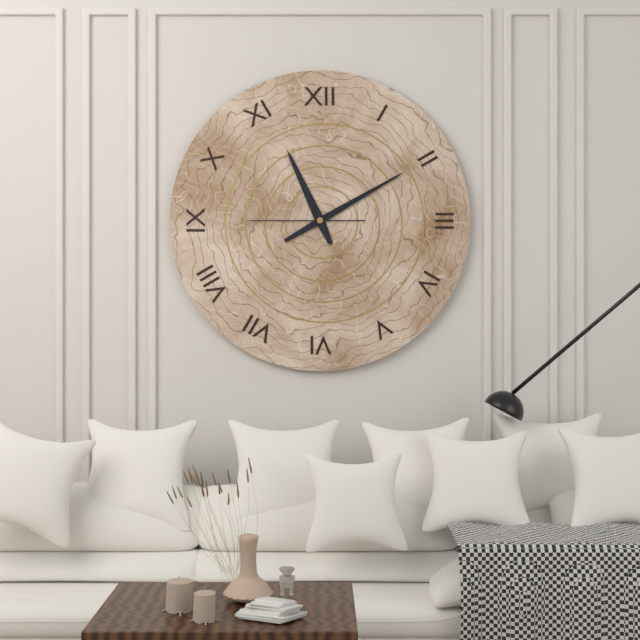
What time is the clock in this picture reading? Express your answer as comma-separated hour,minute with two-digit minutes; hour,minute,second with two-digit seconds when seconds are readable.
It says 11,10,45
